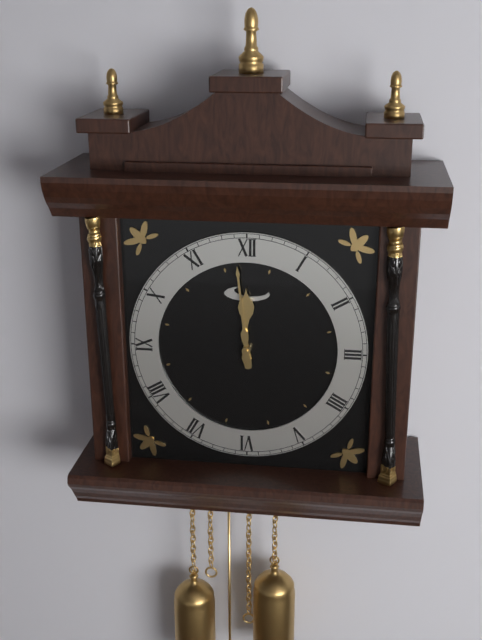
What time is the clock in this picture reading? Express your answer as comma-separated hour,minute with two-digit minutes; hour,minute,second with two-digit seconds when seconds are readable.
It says 11,59
